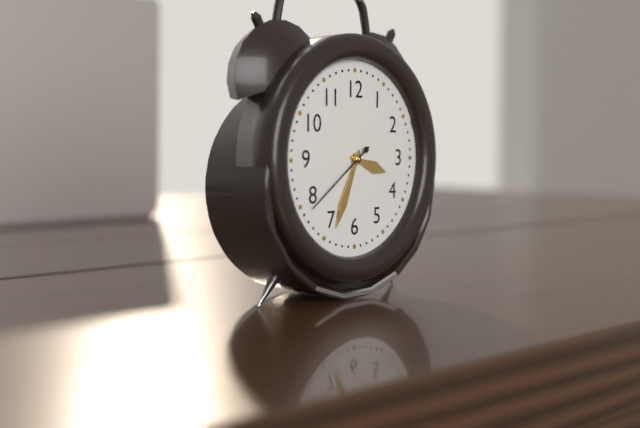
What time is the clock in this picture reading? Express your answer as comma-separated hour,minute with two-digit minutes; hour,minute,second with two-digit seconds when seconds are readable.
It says 3,34,39
